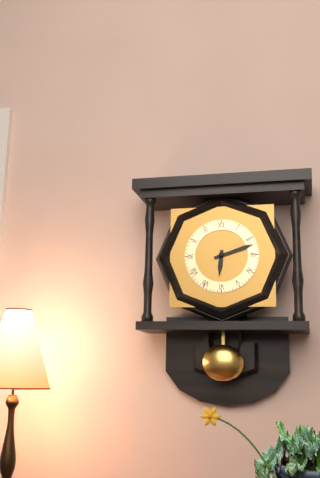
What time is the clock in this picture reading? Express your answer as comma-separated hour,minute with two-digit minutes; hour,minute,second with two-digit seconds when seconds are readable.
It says 6,12
